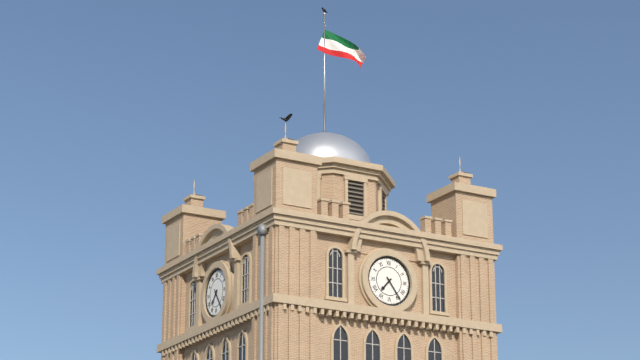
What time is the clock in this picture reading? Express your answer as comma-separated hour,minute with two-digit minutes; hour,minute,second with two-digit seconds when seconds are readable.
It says 7,24
